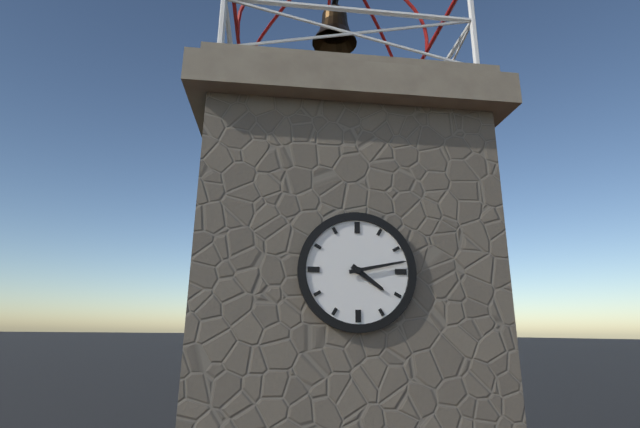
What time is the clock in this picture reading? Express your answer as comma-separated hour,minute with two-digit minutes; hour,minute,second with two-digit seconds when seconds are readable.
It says 4,13
